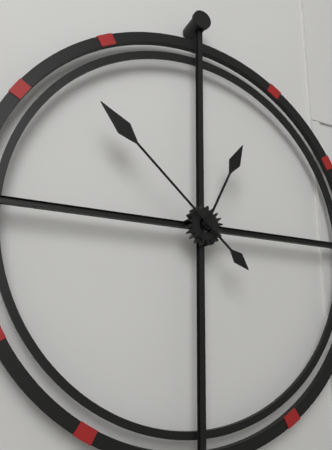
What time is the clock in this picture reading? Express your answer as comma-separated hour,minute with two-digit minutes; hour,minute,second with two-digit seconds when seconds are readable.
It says 12,52
